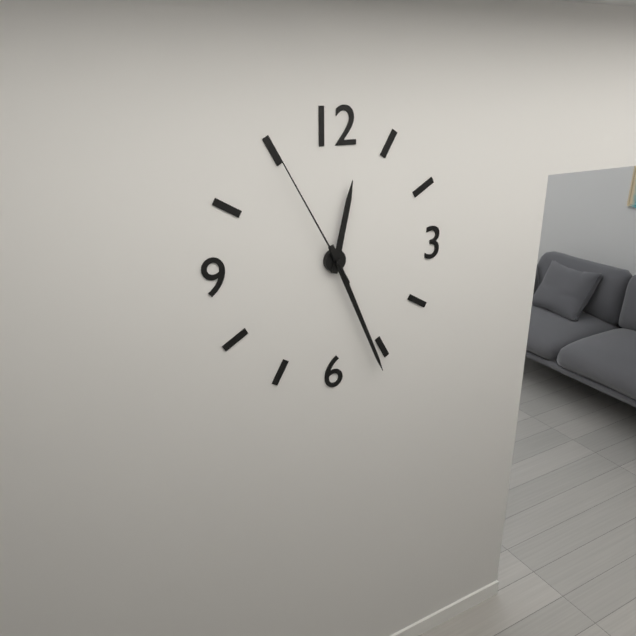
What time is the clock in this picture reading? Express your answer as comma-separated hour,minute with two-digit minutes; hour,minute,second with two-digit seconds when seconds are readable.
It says 12,26,55
